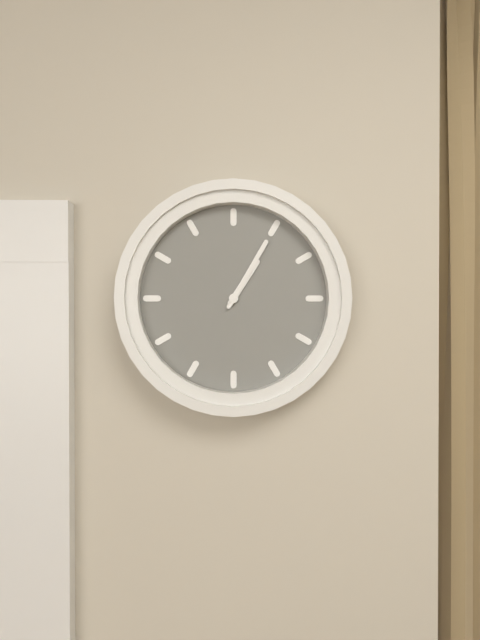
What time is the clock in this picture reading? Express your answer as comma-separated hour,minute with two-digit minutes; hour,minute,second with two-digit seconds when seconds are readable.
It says 1,05
